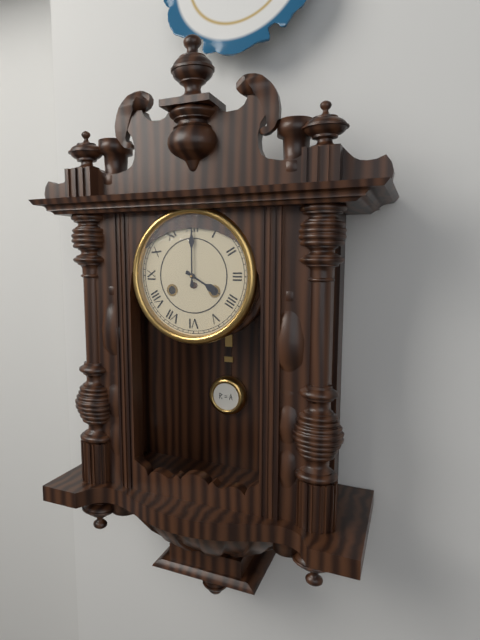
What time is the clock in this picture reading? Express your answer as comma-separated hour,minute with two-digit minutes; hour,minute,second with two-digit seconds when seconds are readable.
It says 4,00
